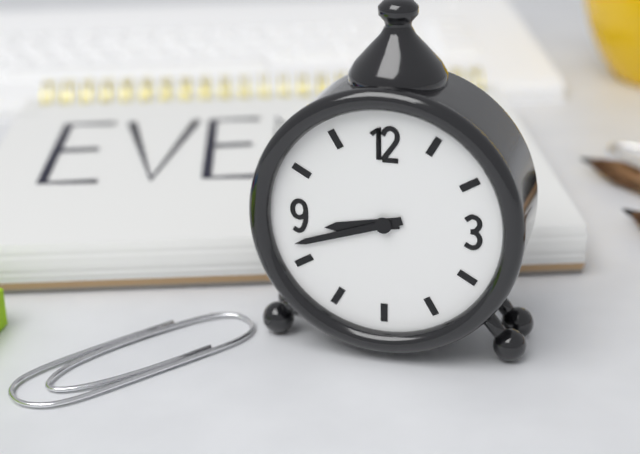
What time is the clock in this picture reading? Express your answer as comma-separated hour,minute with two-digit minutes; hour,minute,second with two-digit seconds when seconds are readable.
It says 8,42
